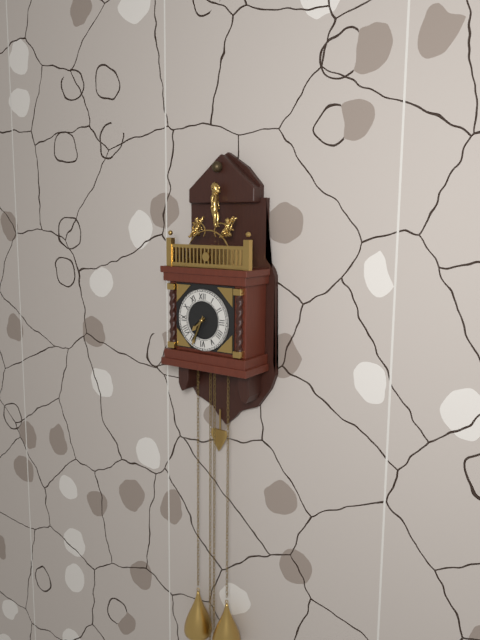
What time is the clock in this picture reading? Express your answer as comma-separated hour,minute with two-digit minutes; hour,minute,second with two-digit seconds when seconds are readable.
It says 7,34
